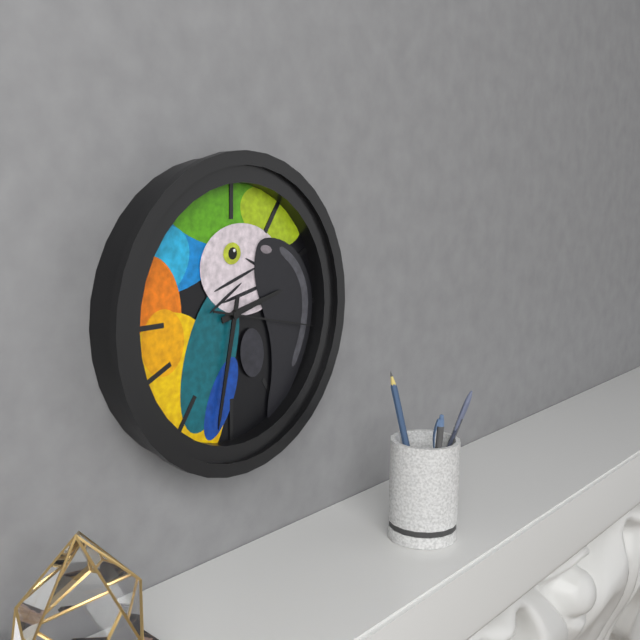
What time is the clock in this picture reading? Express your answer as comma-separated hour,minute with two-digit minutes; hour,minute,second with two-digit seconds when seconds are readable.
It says 2,32,17
